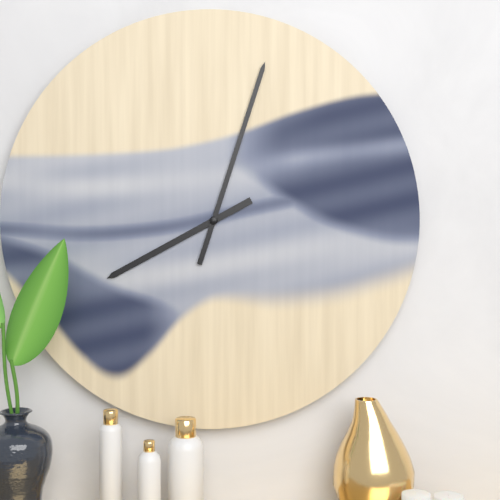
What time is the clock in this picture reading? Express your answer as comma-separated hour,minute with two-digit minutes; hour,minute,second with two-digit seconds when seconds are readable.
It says 8,03
